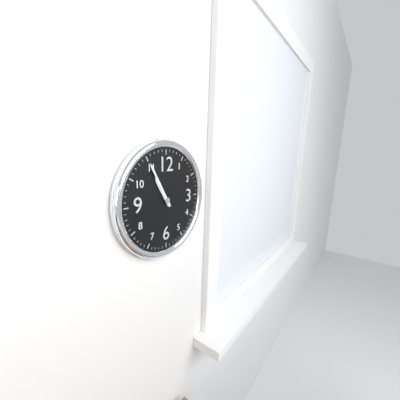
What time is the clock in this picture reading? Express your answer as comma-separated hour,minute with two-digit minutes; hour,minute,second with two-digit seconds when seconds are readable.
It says 10,55
